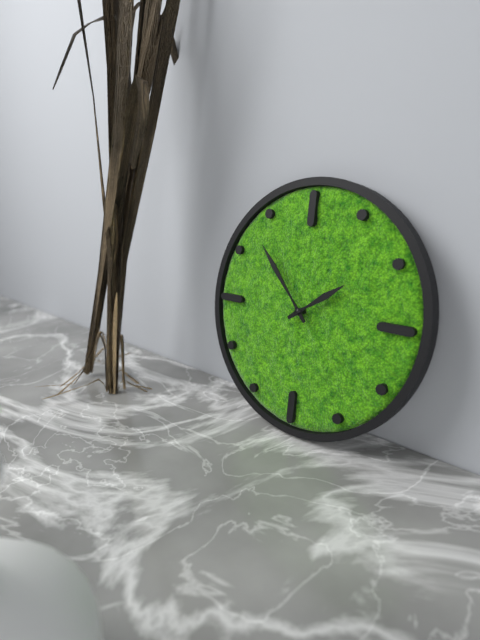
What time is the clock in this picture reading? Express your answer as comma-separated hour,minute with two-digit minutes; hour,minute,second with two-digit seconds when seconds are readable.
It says 1,53
